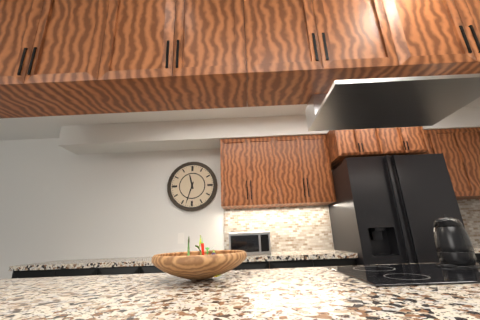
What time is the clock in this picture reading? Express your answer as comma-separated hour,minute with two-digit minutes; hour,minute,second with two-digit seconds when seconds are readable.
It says 11,33
